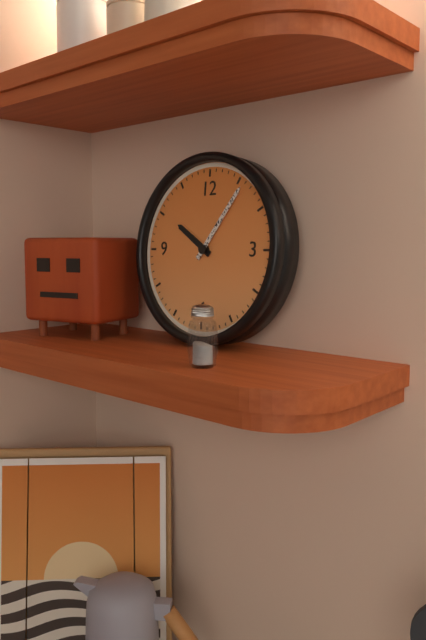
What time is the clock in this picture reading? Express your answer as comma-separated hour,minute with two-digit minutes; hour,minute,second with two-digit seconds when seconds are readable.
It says 10,06
